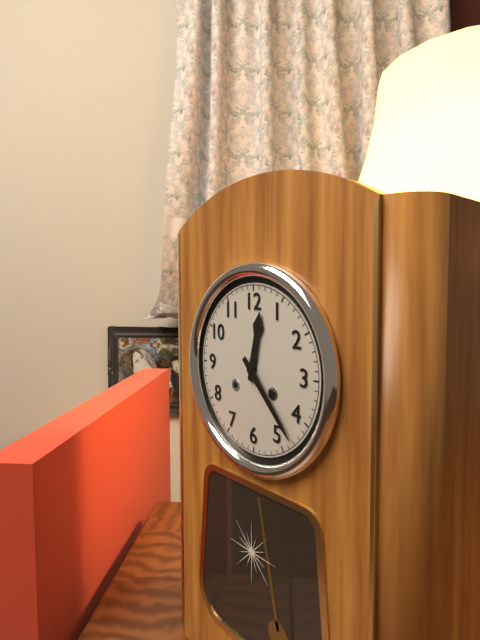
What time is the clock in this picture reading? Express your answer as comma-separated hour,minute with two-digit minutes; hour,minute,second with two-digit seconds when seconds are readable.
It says 12,23
